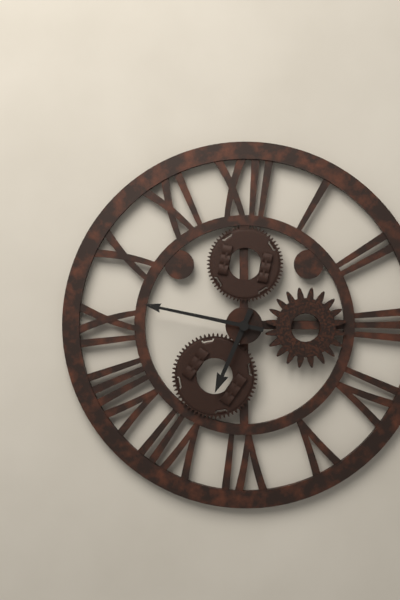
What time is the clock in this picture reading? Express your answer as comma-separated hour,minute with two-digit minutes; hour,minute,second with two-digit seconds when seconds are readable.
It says 6,47
